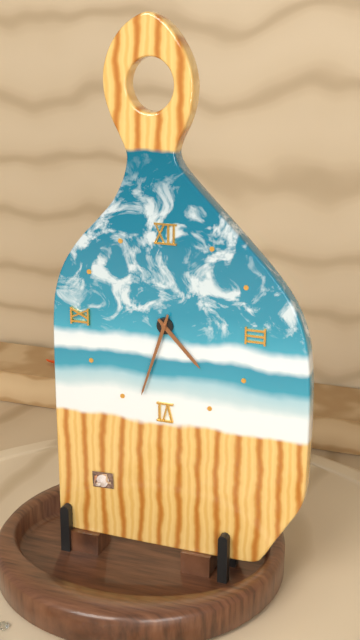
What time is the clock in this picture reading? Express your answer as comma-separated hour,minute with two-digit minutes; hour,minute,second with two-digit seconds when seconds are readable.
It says 4,33
